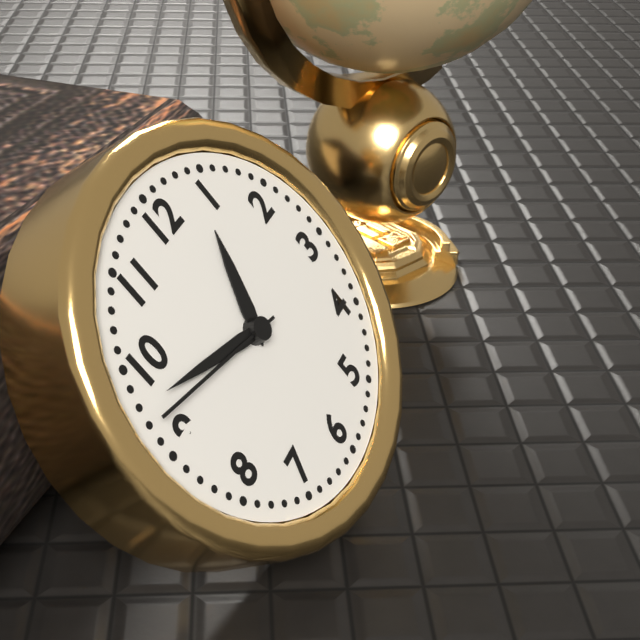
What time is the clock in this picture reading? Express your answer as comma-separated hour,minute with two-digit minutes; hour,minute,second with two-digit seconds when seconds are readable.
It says 12,48,47
